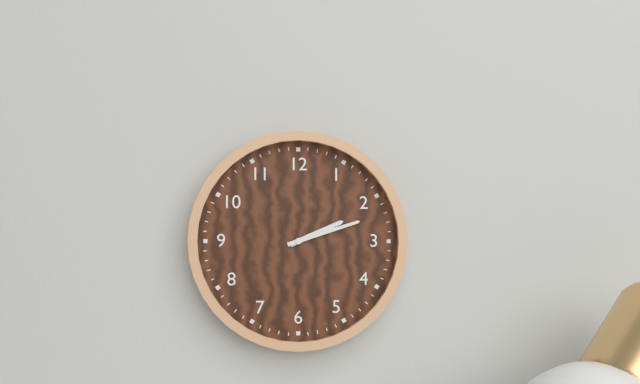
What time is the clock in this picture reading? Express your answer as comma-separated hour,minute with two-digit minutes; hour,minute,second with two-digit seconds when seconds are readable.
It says 2,12
